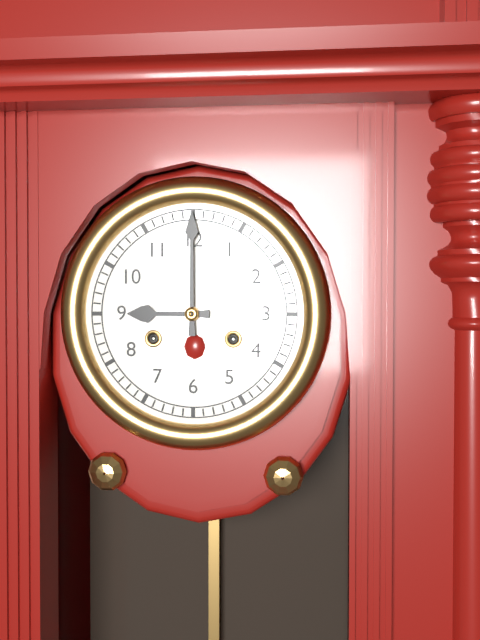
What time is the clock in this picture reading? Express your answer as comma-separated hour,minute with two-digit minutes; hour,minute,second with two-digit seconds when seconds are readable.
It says 9,00
